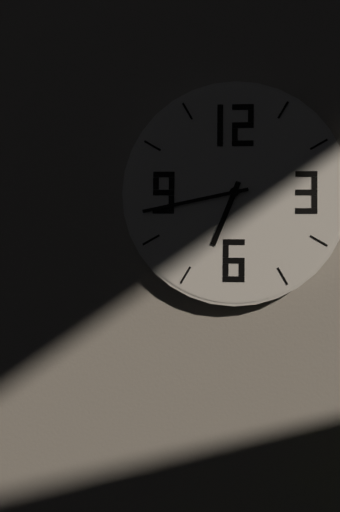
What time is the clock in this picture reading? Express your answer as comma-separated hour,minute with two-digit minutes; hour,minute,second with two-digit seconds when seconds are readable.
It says 6,43
